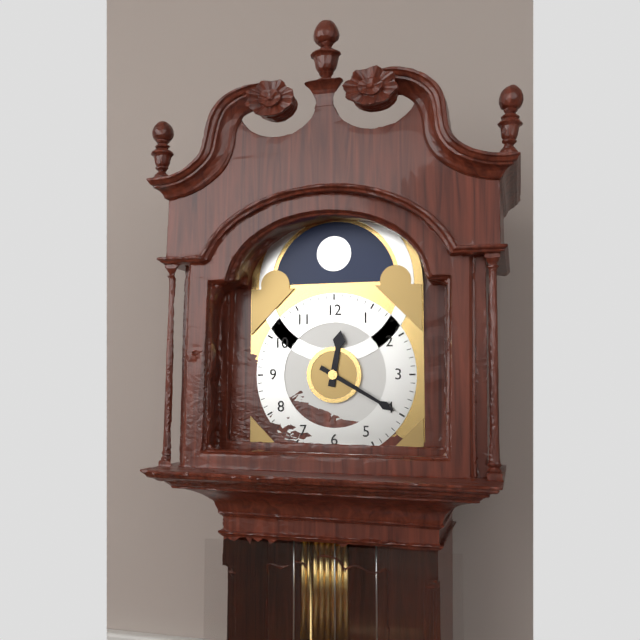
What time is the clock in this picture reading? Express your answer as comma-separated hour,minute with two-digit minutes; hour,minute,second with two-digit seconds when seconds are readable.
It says 12,20
